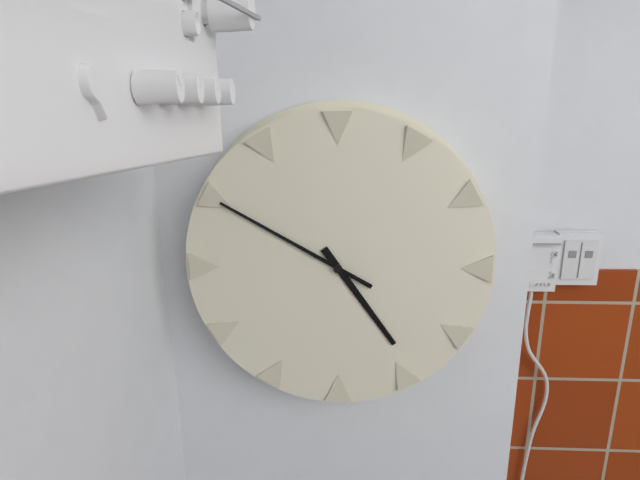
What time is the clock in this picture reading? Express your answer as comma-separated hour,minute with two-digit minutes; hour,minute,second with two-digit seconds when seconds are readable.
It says 4,50
